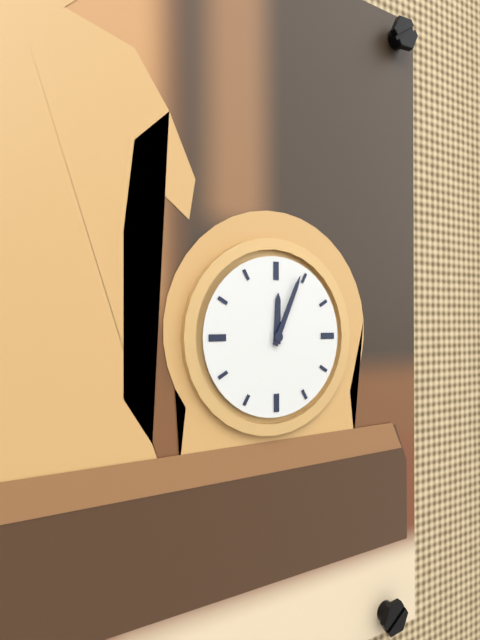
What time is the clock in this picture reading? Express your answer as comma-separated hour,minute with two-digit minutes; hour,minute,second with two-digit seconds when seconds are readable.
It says 12,04
